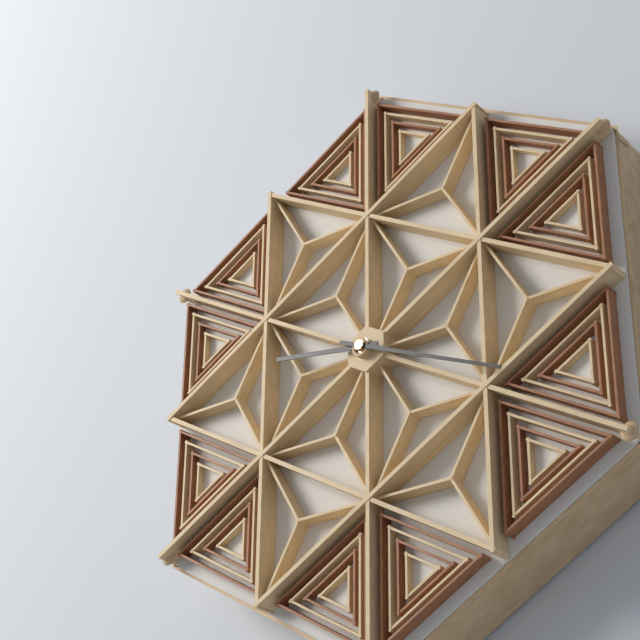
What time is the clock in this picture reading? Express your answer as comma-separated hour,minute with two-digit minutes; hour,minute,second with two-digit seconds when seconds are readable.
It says 9,19
